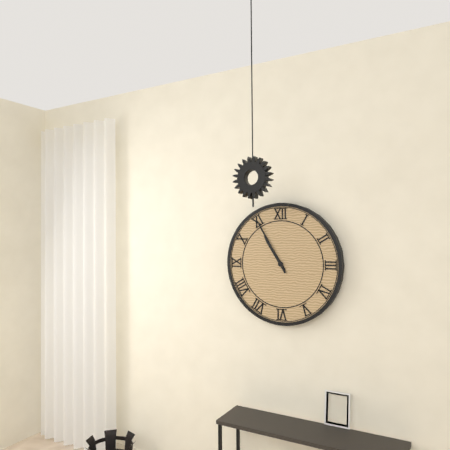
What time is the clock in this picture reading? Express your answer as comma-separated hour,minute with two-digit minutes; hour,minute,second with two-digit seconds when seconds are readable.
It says 10,55
